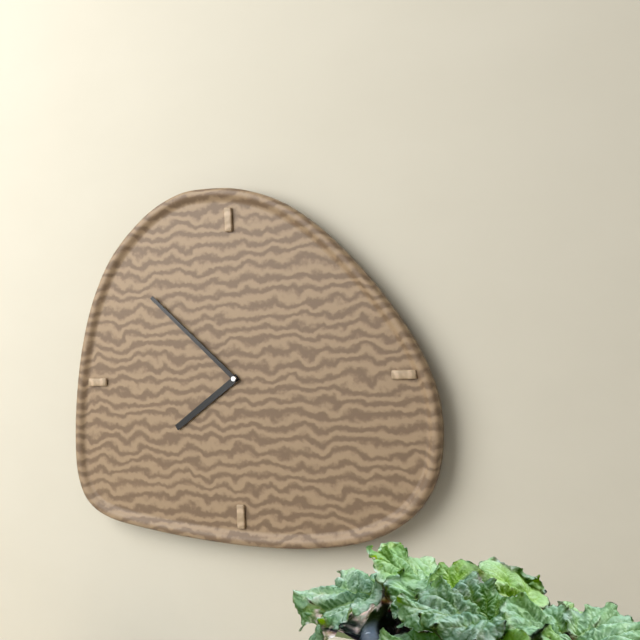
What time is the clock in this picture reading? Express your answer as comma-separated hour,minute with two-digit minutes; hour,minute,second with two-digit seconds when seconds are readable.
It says 7,52
